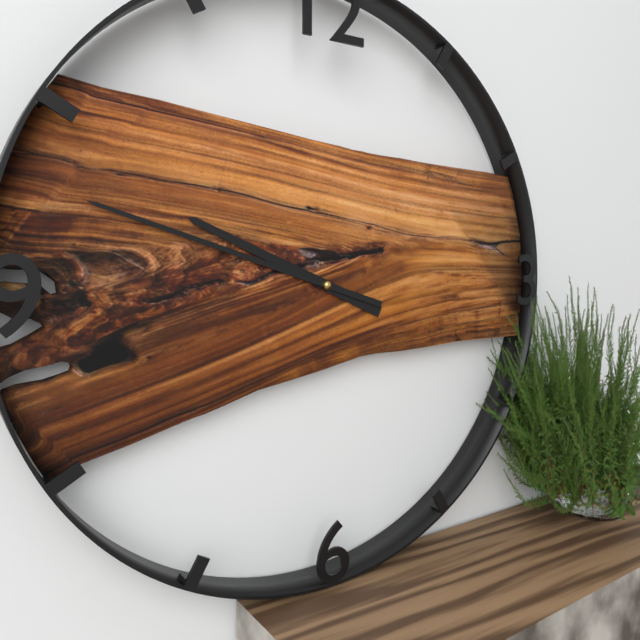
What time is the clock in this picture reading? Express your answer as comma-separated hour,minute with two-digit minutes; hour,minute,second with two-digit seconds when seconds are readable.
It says 9,48
